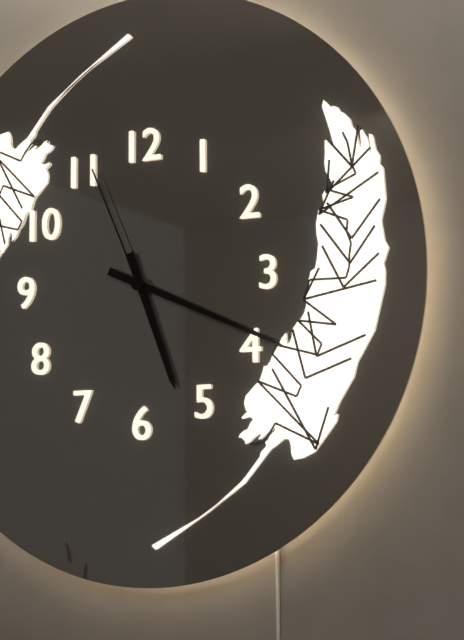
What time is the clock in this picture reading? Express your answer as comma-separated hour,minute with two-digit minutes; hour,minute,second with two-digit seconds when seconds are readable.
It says 5,19,56
